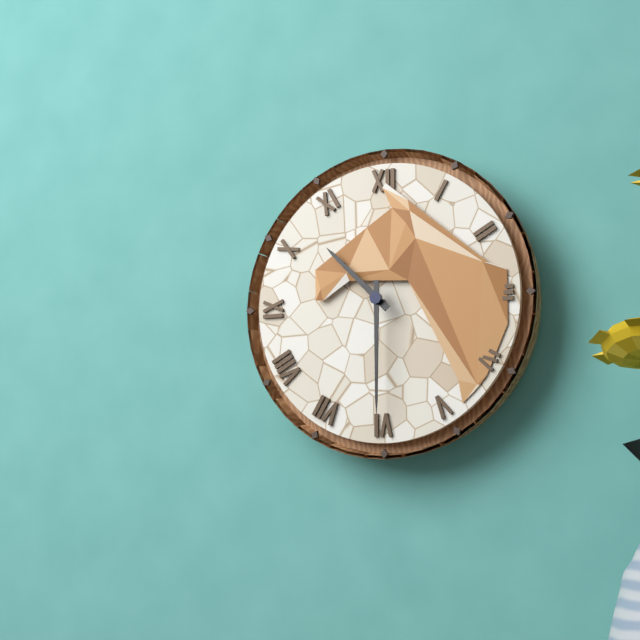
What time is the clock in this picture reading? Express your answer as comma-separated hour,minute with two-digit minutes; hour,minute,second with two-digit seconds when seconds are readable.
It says 10,30
